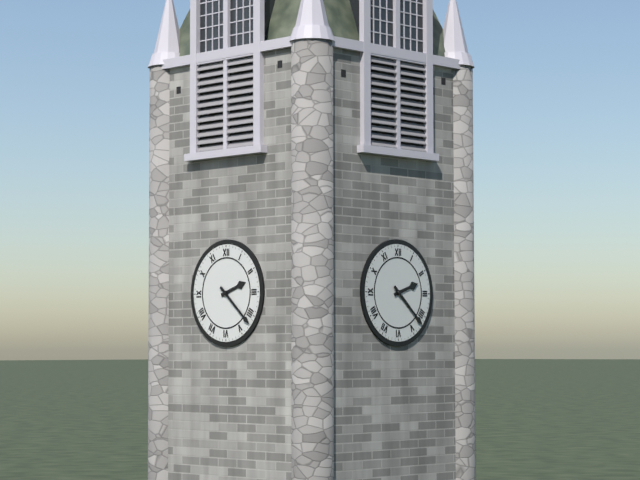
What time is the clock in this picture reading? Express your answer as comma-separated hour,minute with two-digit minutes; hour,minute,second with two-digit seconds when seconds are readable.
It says 2,22
